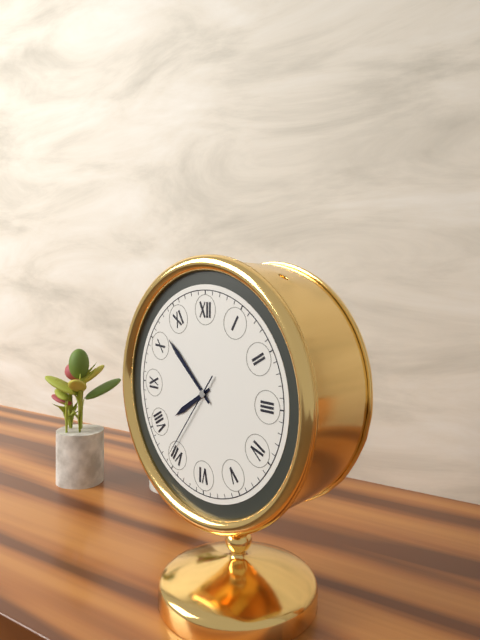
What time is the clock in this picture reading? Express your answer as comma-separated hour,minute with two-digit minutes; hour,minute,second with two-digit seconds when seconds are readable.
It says 7,52,36
